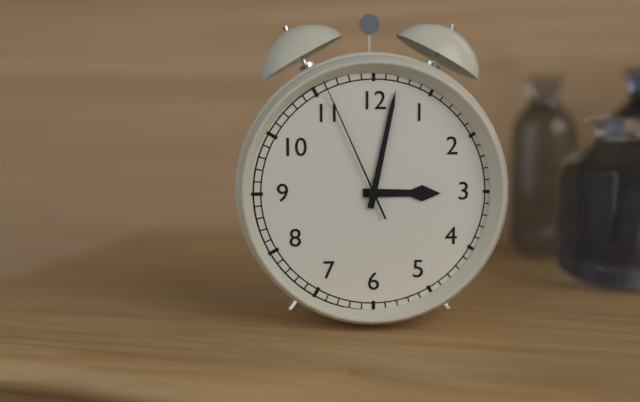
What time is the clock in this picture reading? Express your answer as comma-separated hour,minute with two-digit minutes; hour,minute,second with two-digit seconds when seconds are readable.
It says 3,02,56
